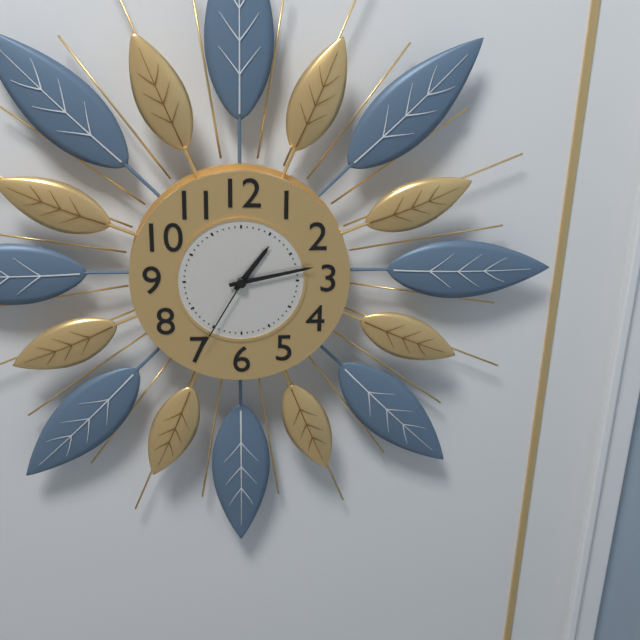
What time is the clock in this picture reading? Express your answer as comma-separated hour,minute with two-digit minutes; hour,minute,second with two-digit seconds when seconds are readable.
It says 1,13,35
